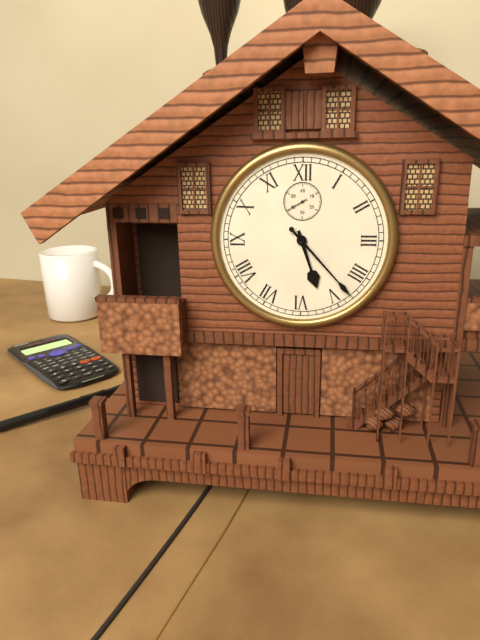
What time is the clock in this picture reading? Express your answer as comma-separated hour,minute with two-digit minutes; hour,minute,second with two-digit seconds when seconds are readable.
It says 5,23
